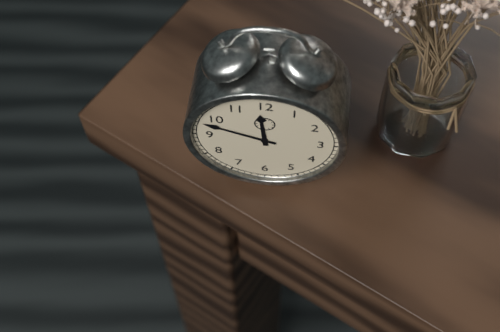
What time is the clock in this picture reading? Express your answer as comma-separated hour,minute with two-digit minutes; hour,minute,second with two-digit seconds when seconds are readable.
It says 11,48
